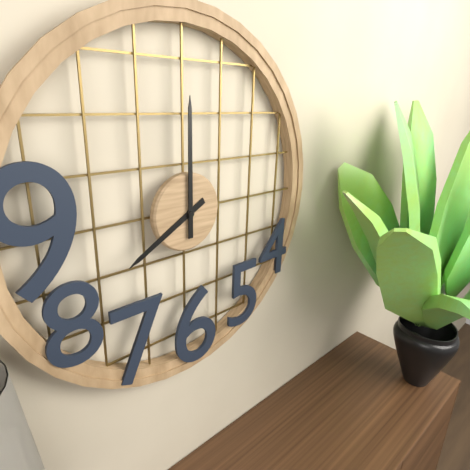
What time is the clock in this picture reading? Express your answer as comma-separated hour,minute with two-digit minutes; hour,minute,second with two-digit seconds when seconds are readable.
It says 8,00
